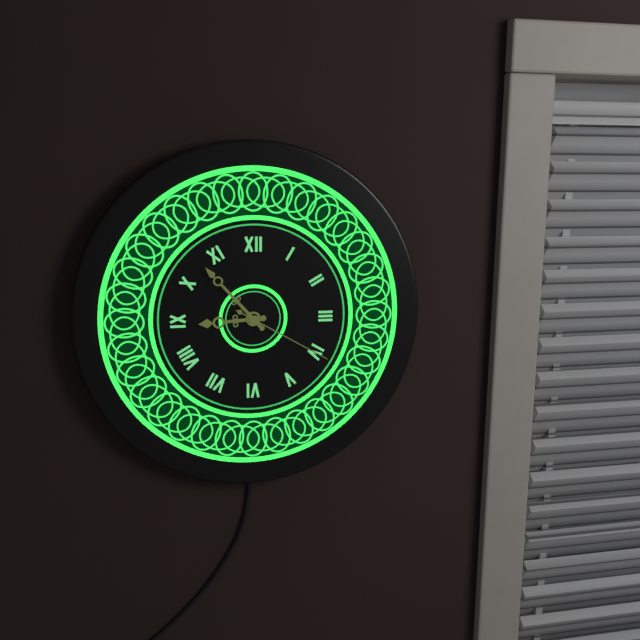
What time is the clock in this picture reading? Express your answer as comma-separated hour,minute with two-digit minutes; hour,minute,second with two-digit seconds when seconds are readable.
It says 8,53,20
